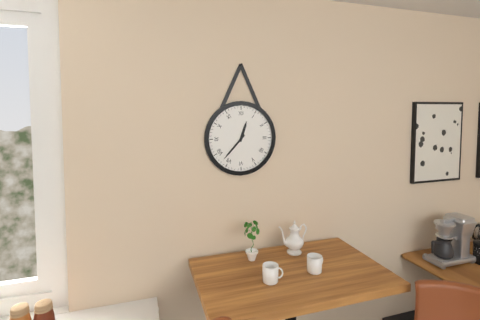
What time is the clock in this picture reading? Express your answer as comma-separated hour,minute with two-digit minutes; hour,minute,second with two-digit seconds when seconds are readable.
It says 12,37
